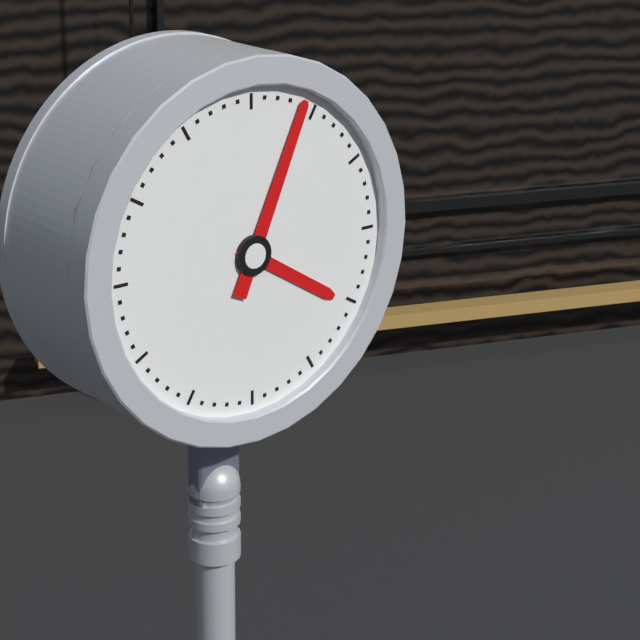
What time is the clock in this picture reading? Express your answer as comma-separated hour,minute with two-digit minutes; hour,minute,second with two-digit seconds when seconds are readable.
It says 4,04
